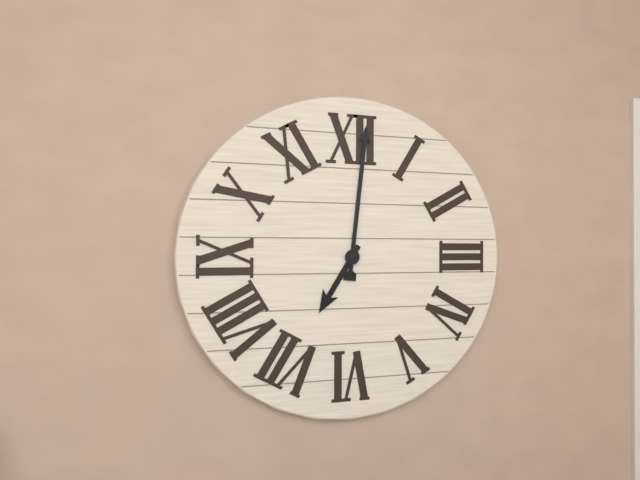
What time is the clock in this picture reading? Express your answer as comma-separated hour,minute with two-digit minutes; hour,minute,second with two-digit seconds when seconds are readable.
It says 7,01
